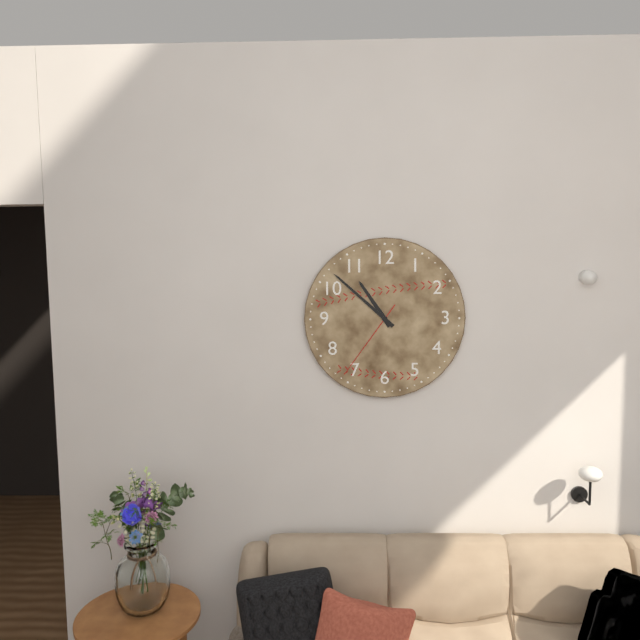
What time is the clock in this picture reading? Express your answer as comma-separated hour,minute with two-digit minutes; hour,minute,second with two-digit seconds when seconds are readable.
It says 10,52,36
